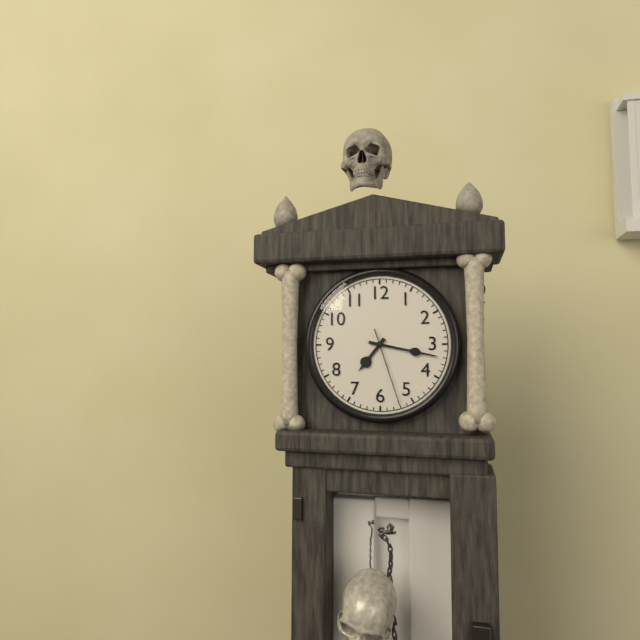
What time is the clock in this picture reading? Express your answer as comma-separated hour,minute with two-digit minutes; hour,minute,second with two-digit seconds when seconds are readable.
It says 7,17,27
